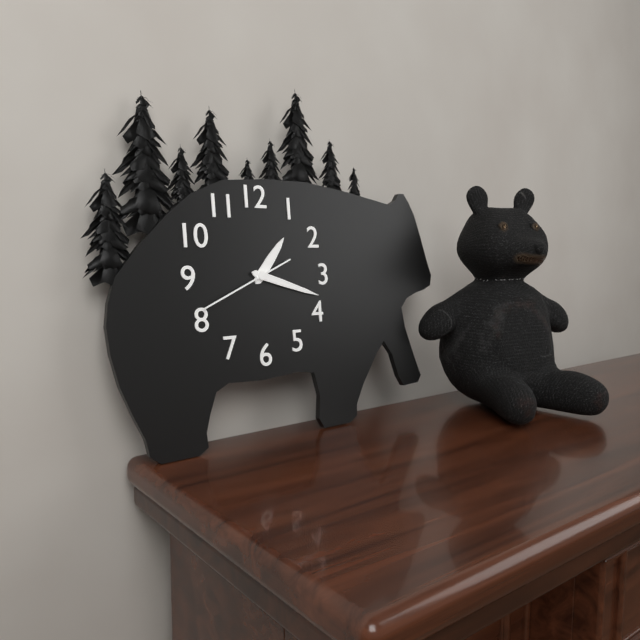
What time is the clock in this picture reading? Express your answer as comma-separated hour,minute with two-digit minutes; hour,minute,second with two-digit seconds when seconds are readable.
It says 1,18,41
